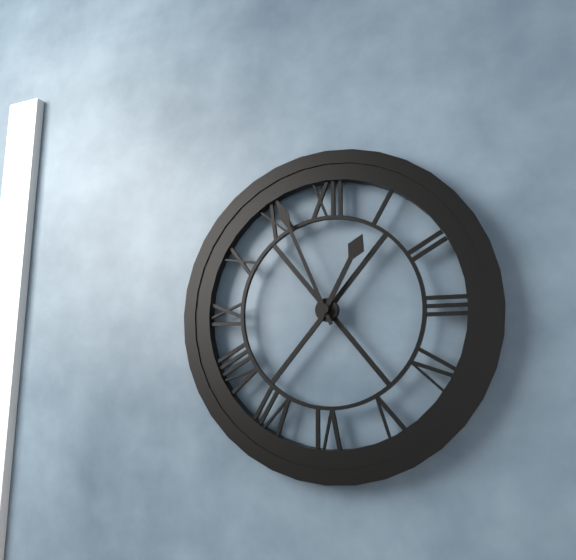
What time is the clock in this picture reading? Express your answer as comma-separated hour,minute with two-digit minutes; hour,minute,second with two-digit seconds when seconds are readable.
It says 12,56
